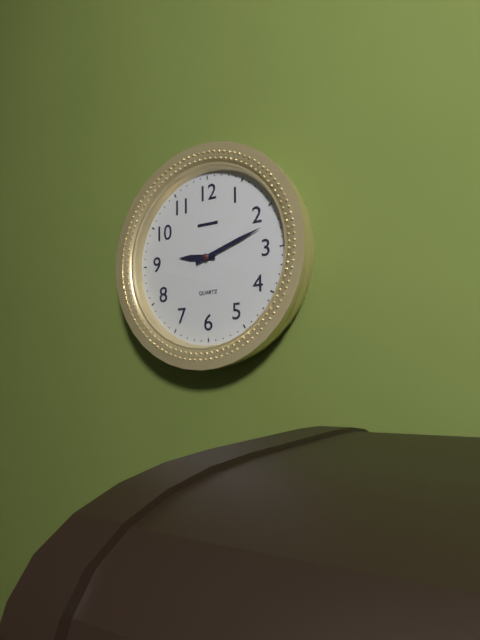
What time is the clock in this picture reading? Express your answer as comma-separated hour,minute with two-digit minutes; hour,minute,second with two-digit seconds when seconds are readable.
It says 9,12
